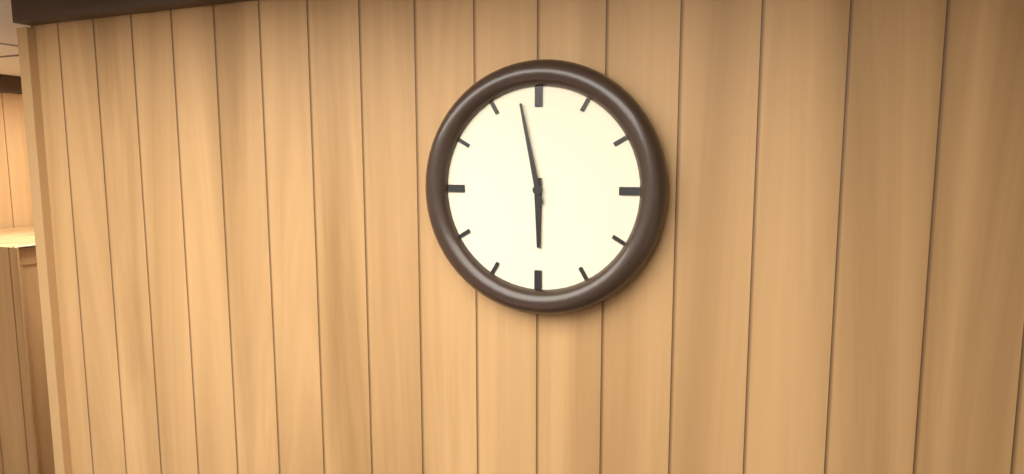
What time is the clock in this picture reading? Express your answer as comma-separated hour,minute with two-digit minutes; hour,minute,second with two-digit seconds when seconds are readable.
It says 5,58
